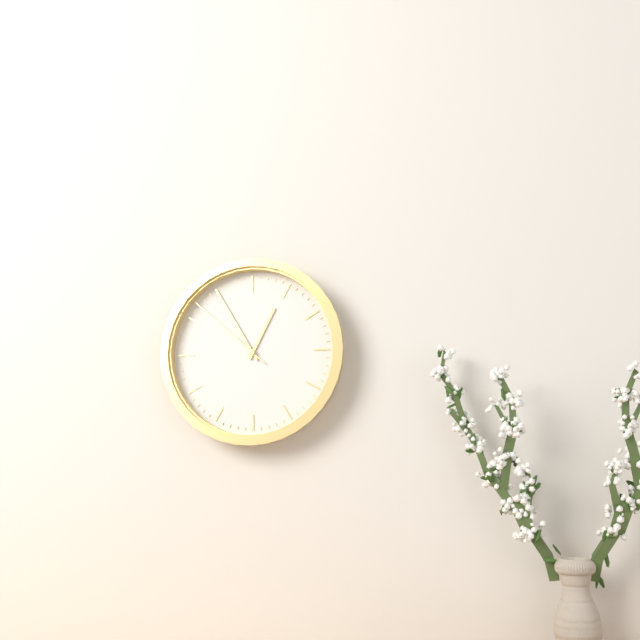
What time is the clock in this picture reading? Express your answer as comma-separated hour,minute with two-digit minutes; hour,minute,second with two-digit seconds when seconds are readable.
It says 12,55,52
